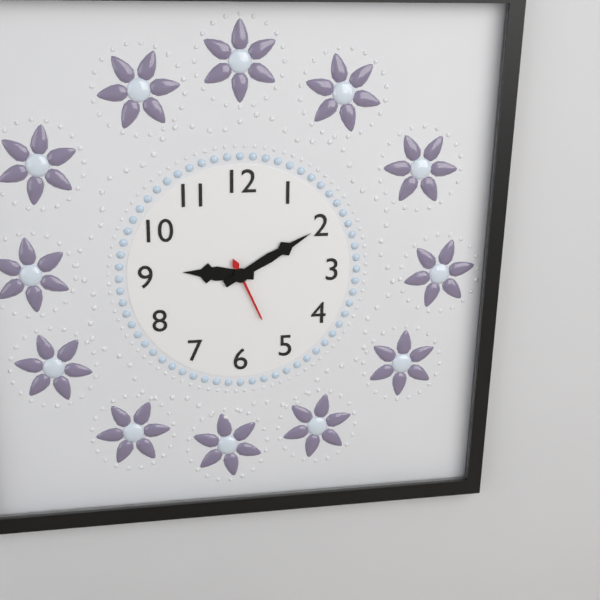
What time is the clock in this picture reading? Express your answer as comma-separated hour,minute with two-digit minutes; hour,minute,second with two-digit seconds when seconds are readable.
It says 9,10,26
